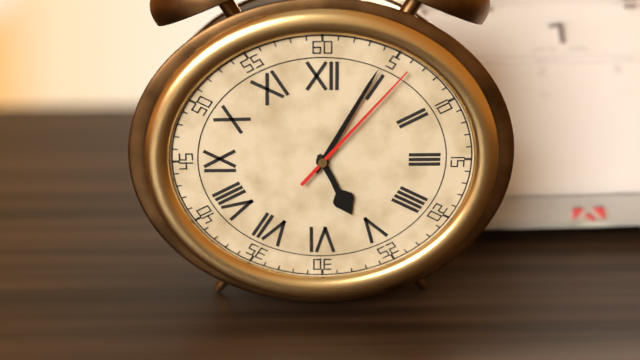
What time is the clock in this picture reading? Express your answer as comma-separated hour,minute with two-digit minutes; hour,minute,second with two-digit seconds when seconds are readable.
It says 5,05,07
